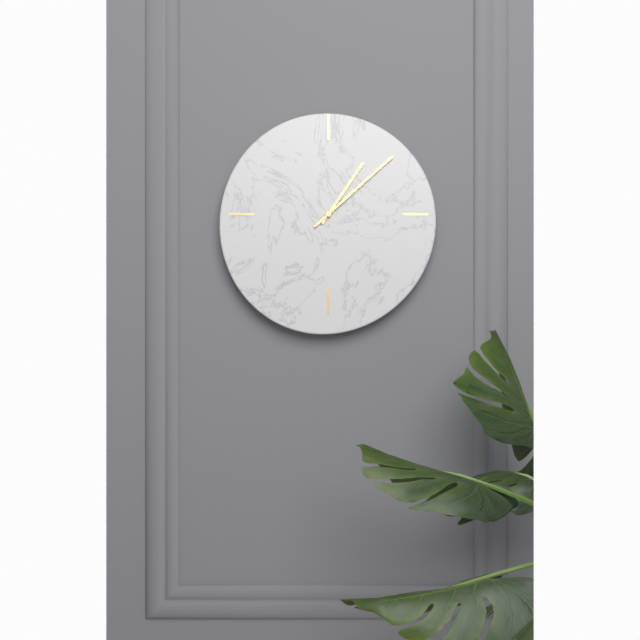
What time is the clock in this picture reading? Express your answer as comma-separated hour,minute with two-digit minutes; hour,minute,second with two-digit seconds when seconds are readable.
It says 1,08
